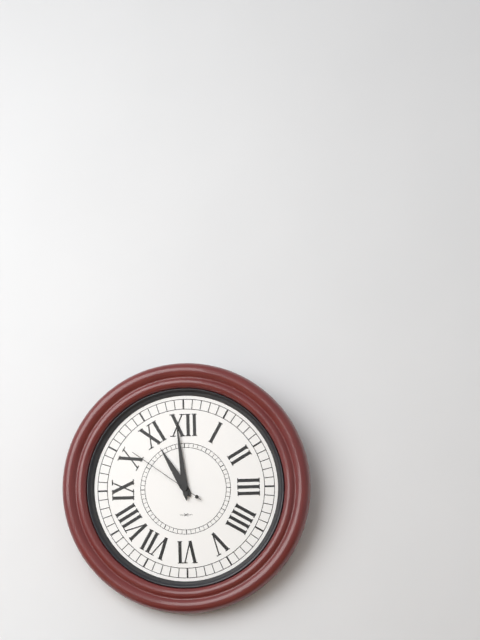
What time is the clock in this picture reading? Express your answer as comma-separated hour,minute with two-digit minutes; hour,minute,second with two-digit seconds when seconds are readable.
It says 10,59,51
